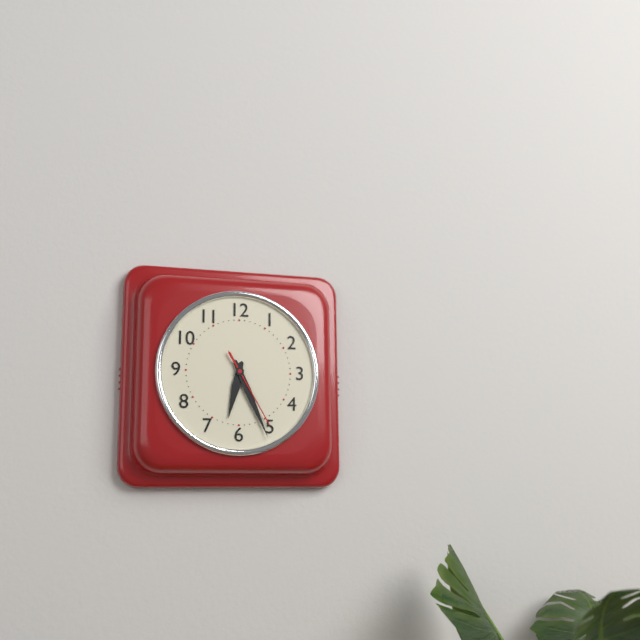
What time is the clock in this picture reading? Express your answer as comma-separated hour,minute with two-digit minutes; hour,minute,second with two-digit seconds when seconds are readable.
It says 6,26,25
